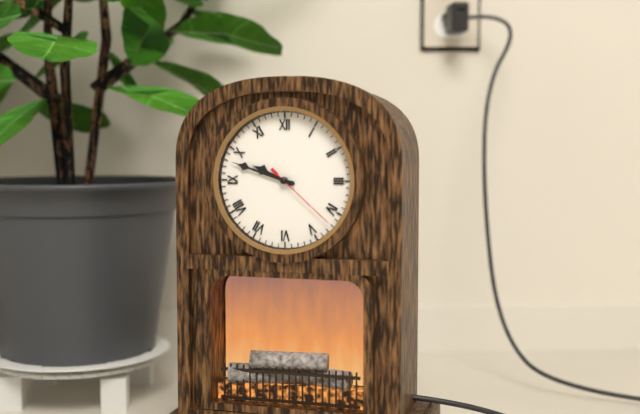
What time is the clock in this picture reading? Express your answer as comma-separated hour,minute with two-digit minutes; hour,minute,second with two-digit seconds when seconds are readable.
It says 9,48,22
